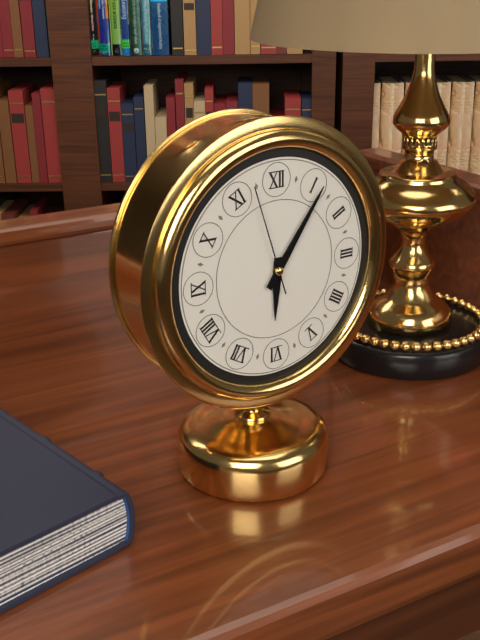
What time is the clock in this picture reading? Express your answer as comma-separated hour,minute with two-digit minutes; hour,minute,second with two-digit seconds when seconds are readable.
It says 6,06,57
